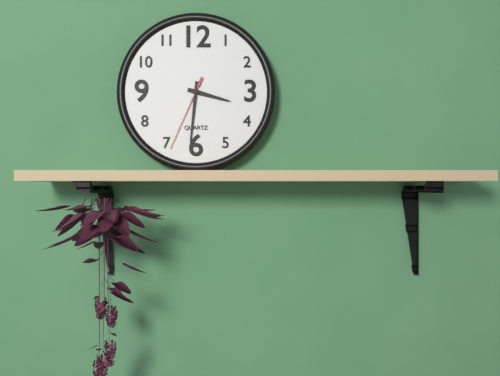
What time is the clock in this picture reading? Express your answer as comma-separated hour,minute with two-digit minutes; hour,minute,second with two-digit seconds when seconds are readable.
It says 3,31,34
